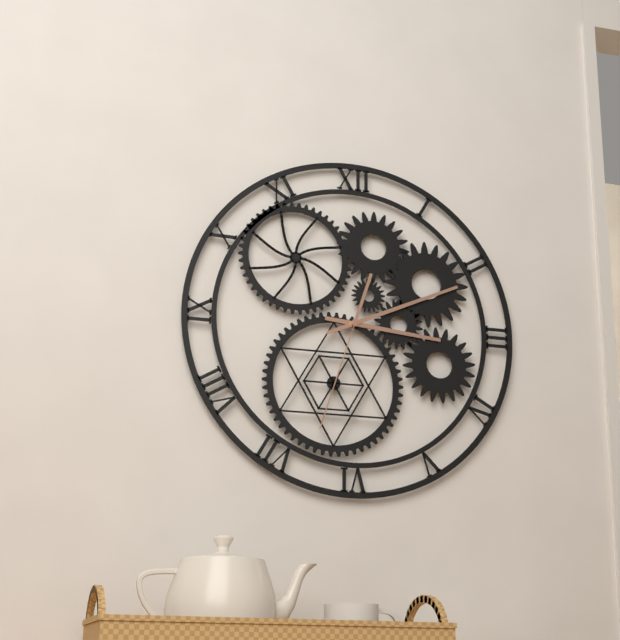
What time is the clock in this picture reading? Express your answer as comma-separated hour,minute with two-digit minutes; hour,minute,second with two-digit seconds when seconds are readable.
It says 3,11,33
